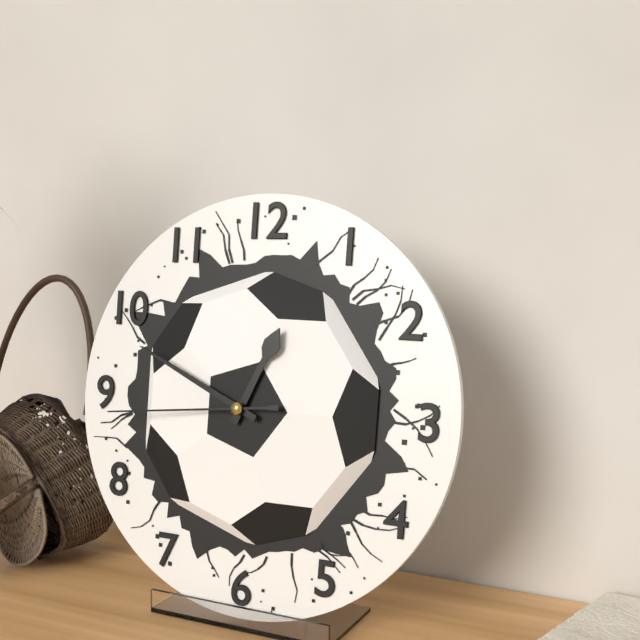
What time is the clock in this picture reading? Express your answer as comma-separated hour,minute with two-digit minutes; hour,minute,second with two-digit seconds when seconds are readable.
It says 12,49,44
